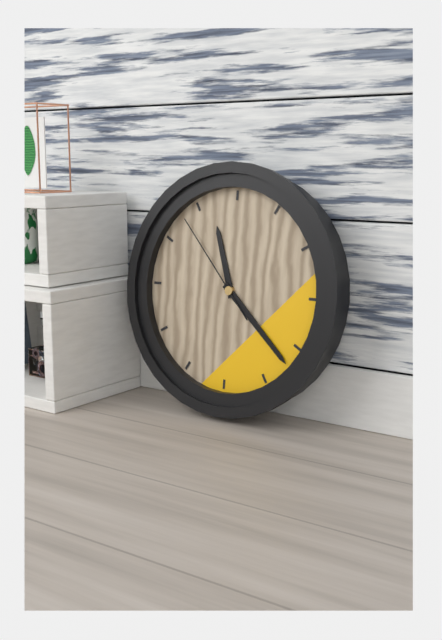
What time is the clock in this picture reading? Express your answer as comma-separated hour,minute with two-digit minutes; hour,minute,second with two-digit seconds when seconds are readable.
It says 11,22,53
